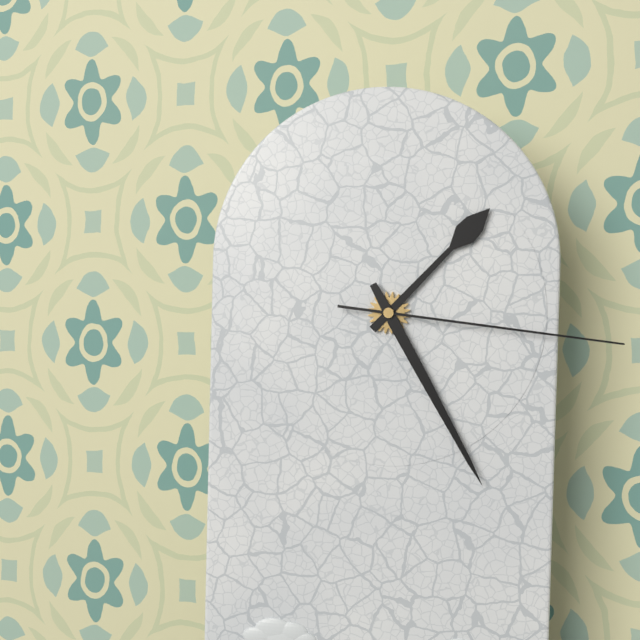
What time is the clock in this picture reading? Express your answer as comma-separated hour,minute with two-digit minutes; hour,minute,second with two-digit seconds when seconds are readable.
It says 1,25,16
